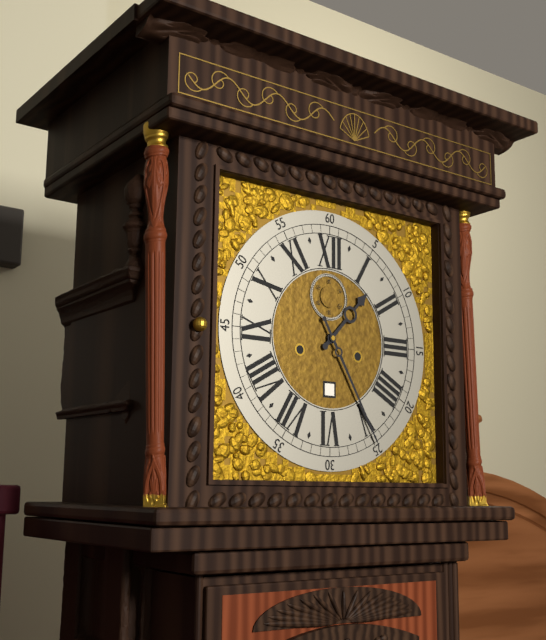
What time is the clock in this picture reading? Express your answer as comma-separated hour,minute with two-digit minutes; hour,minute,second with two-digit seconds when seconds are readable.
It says 1,25
